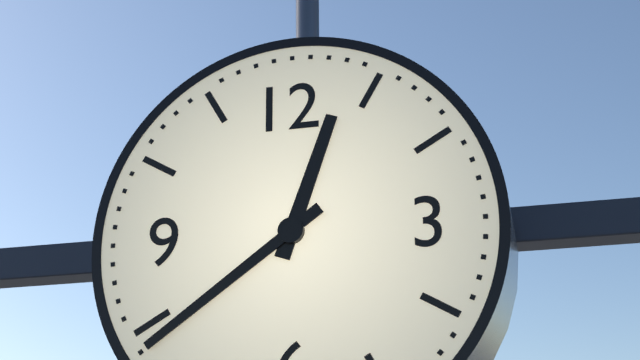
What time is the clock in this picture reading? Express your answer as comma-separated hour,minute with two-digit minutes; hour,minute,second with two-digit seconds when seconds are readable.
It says 12,39
